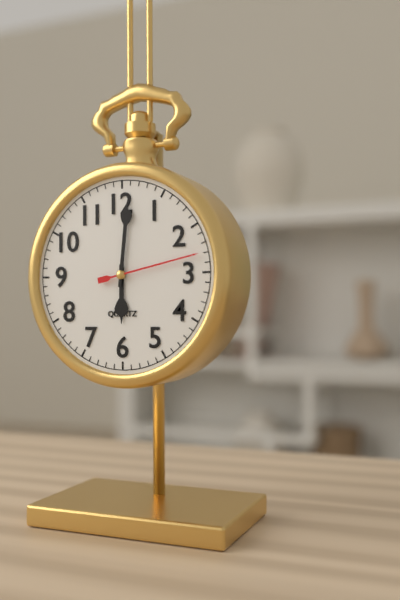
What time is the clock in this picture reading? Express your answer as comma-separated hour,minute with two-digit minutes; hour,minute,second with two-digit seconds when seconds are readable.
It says 6,01,13
